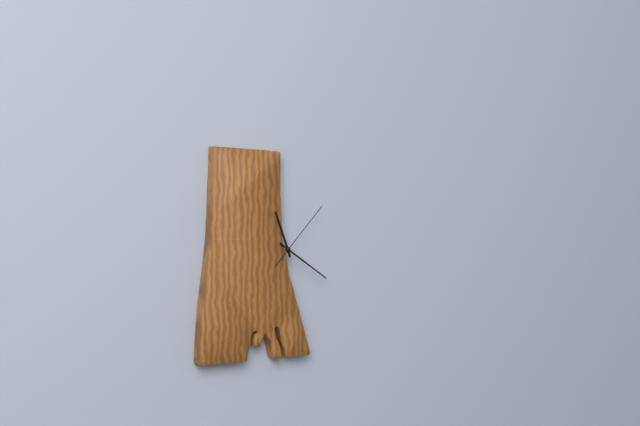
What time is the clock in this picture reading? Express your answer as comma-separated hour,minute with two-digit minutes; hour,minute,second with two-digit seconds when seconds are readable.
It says 11,21,07
